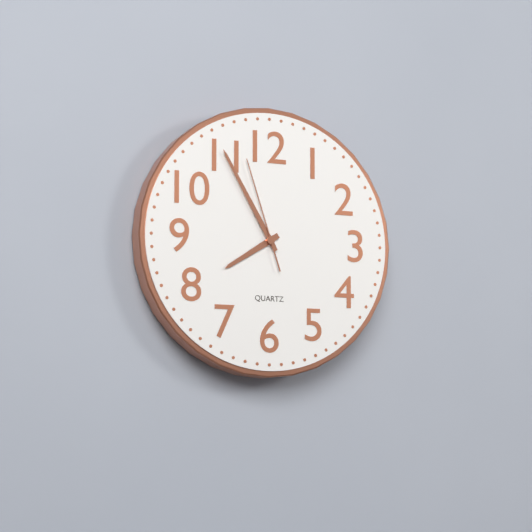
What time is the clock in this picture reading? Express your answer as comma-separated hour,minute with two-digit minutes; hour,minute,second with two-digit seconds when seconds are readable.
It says 7,55,57
